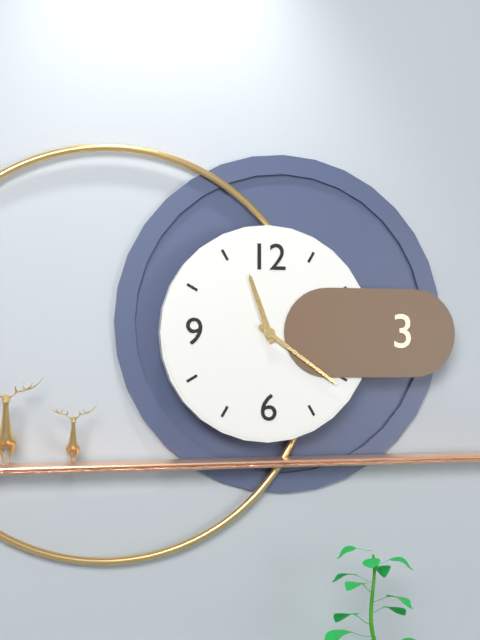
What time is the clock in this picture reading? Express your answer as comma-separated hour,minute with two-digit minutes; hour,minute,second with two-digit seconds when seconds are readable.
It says 11,21
